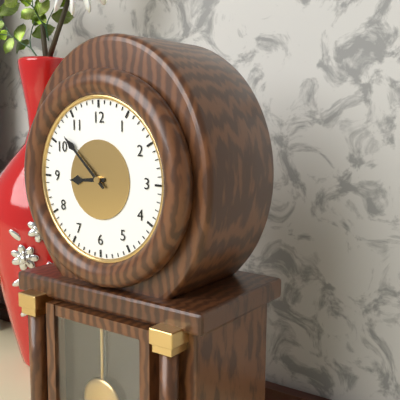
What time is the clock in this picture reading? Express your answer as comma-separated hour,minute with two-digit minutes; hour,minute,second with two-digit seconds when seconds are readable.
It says 8,52
